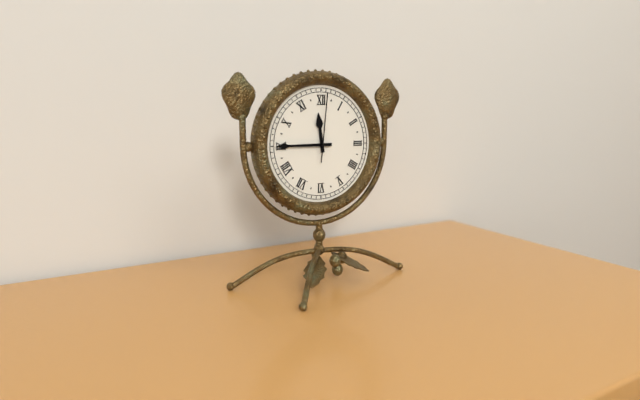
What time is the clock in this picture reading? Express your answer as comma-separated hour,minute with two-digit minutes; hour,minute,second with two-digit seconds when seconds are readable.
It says 11,45,01
